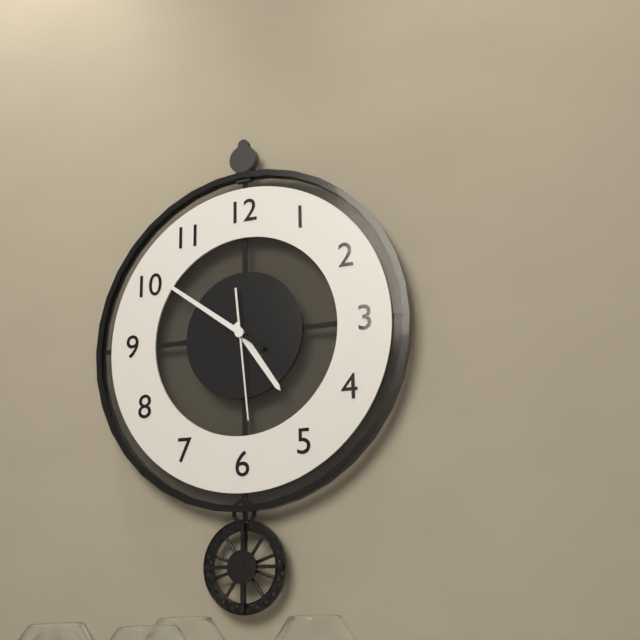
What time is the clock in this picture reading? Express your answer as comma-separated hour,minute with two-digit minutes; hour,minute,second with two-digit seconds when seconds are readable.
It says 4,51,29
